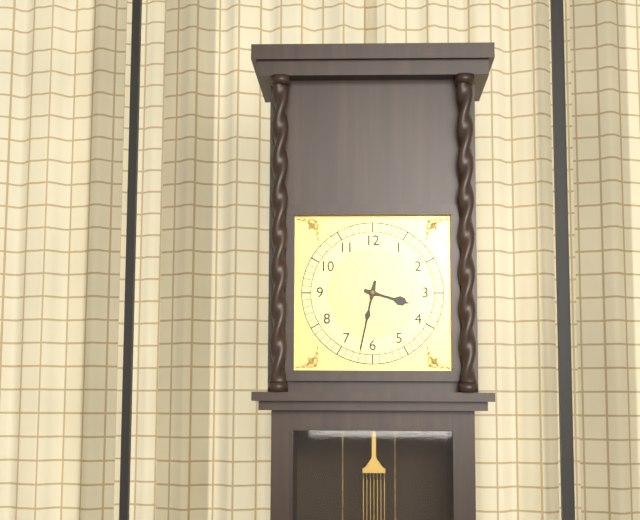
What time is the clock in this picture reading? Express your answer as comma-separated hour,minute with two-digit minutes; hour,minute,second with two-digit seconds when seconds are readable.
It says 3,32
